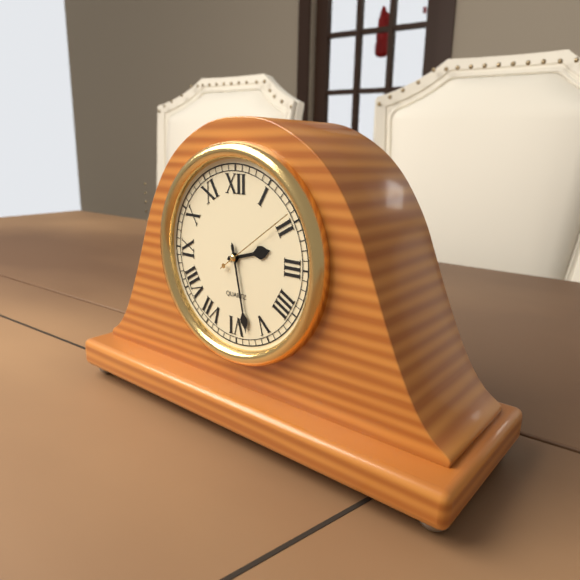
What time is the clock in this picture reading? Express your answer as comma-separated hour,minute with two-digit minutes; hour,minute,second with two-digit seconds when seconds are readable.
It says 2,28,09
